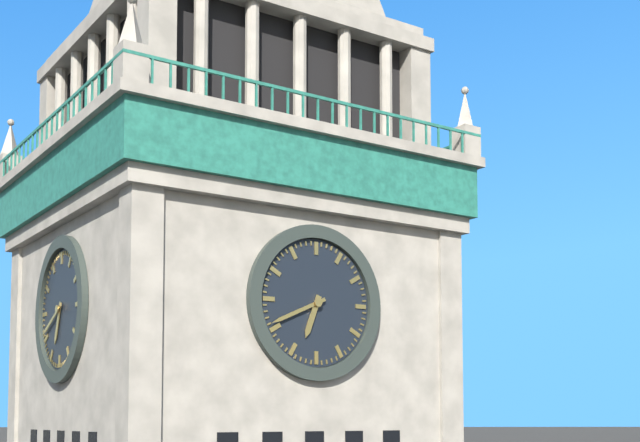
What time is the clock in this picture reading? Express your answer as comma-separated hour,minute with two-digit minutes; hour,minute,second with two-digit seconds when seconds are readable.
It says 6,41
